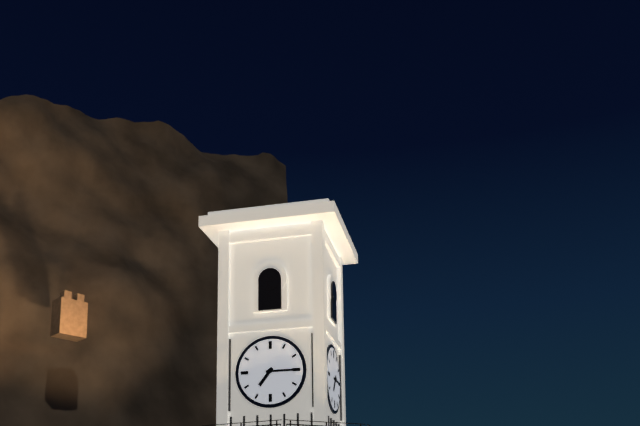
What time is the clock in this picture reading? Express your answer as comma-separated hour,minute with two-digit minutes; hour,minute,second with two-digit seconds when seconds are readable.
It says 7,15
